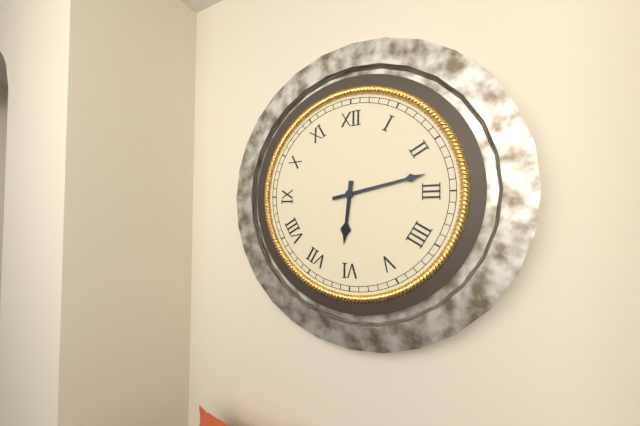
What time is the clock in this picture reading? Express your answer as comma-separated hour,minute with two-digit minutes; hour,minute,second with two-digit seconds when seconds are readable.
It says 6,13
